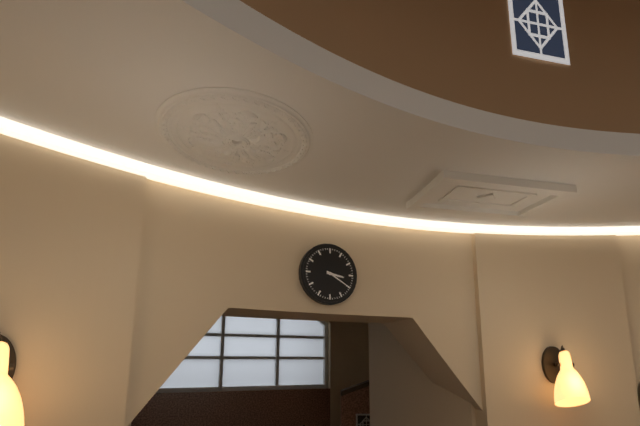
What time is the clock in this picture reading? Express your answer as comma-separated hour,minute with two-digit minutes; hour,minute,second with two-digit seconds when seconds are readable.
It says 3,20
